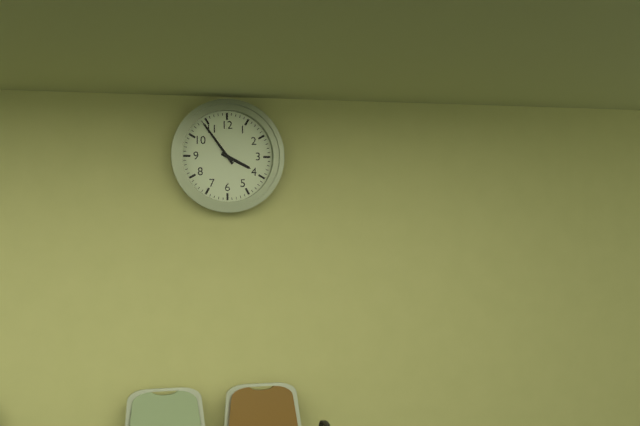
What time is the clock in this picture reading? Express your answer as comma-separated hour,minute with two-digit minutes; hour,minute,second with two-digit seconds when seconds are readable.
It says 3,54
